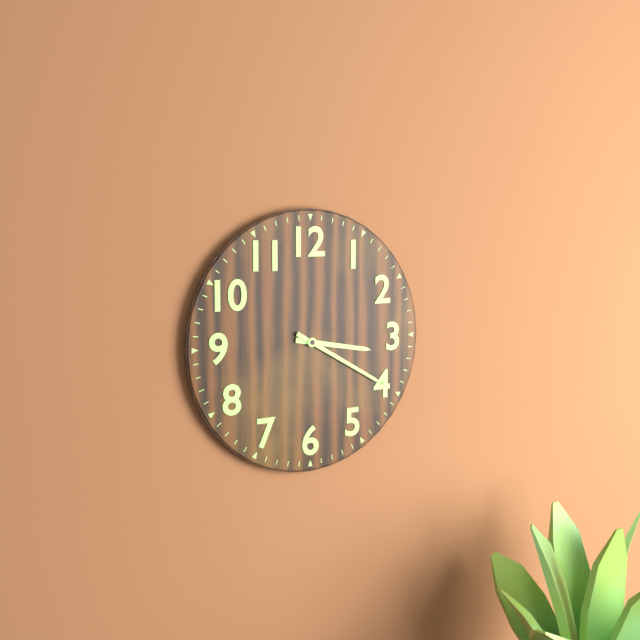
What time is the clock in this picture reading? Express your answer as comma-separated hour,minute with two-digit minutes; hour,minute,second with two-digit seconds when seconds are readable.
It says 3,20
